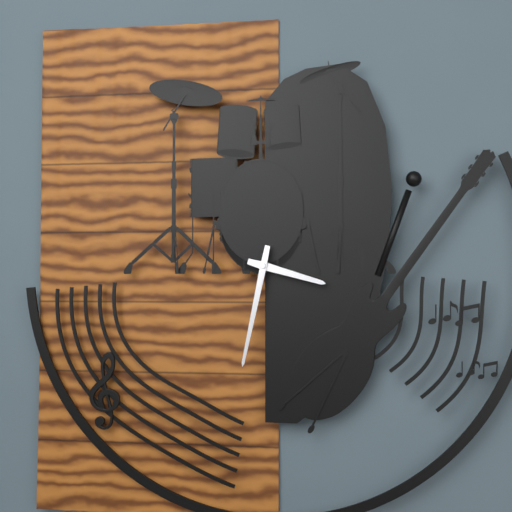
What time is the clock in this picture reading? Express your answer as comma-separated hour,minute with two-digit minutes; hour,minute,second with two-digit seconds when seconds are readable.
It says 3,32
